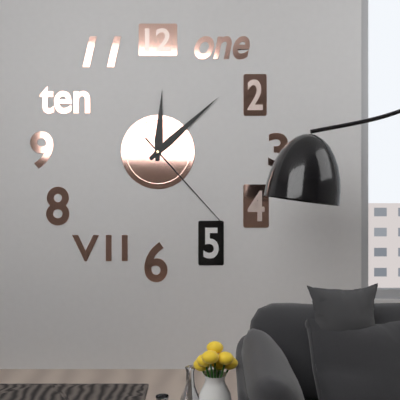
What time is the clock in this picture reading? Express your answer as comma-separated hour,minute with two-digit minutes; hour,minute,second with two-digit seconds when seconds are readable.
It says 12,08,23
